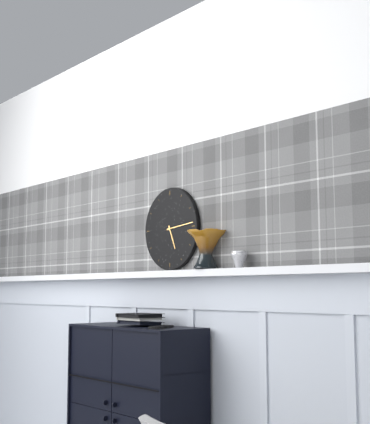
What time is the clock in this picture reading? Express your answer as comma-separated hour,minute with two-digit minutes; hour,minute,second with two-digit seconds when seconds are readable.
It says 5,14
